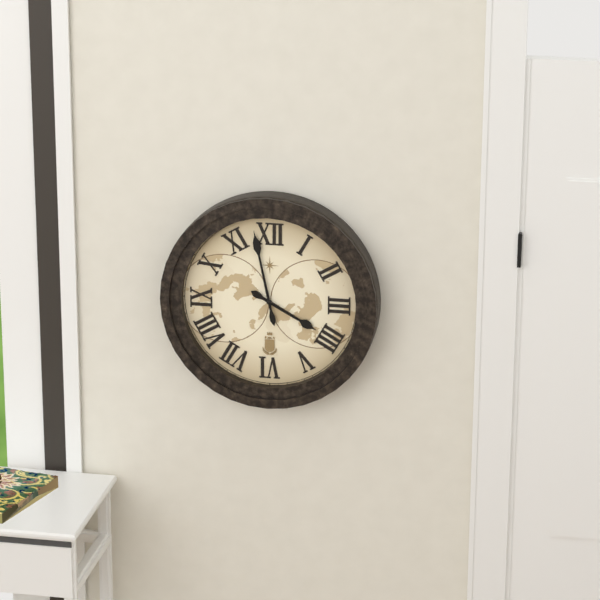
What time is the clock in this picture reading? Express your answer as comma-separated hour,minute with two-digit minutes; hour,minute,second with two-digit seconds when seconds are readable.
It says 3,58
